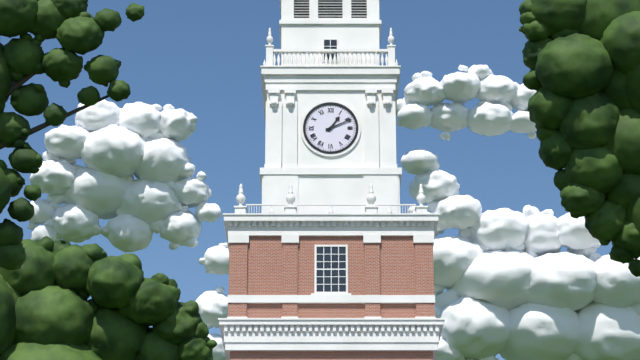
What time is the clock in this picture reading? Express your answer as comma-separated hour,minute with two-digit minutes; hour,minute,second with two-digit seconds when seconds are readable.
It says 1,11
